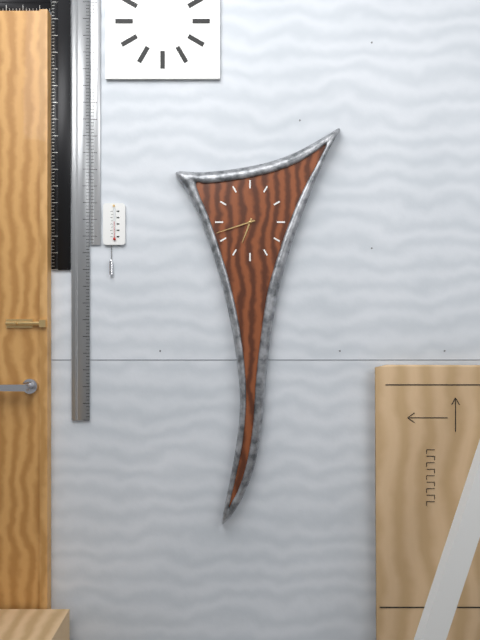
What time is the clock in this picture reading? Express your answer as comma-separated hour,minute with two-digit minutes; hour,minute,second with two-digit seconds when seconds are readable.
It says 6,42
